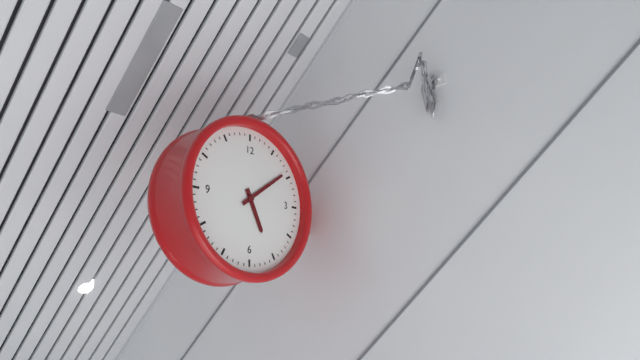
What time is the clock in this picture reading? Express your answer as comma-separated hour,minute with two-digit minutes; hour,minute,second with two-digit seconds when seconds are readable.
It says 5,09
